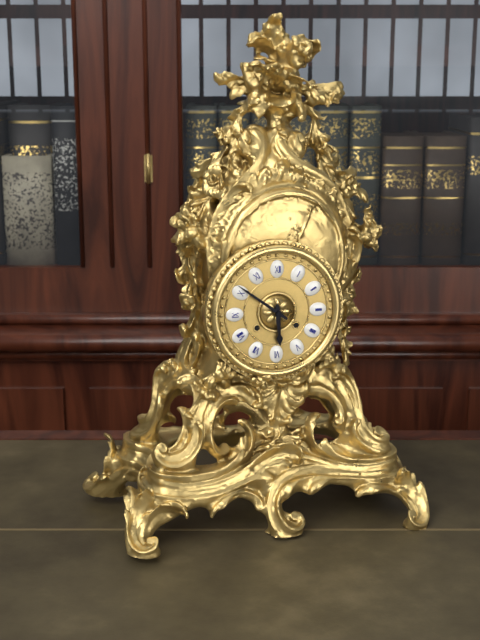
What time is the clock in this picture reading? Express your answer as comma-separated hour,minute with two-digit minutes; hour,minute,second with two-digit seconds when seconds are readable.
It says 5,51
